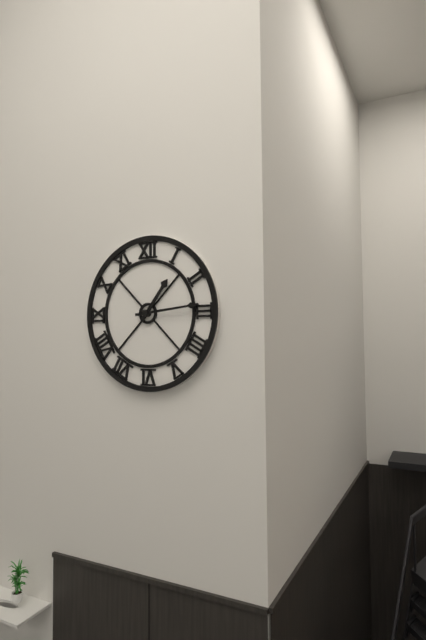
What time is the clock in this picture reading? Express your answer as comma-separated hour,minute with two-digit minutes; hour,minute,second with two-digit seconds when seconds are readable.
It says 1,14
